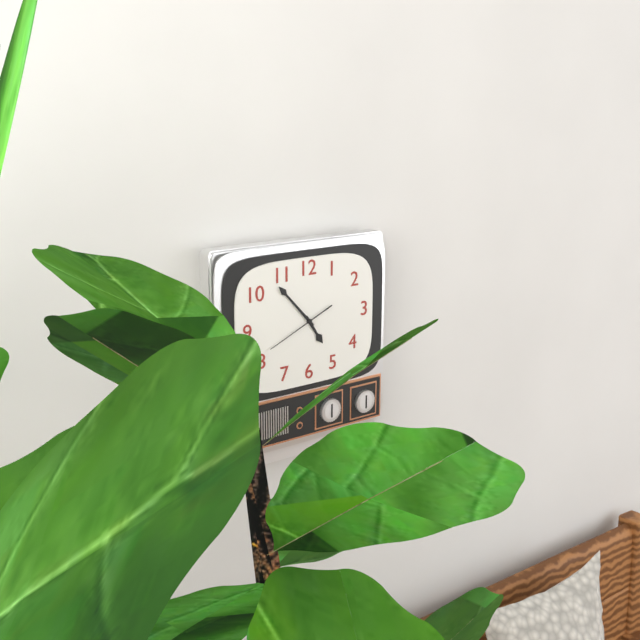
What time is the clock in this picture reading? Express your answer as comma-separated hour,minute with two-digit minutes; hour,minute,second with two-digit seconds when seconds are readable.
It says 4,53,41
